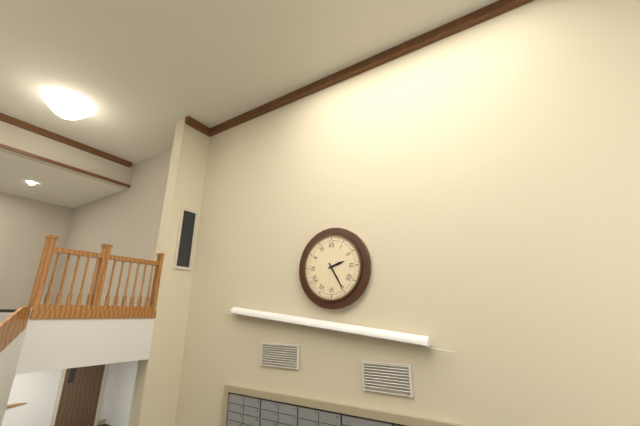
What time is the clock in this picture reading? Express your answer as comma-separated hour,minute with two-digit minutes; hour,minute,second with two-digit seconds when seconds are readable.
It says 2,25
